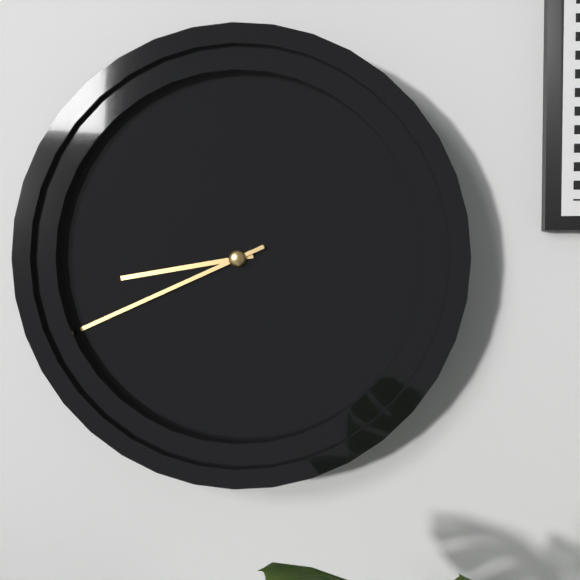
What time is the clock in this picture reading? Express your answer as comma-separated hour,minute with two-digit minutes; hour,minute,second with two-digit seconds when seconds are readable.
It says 8,41
